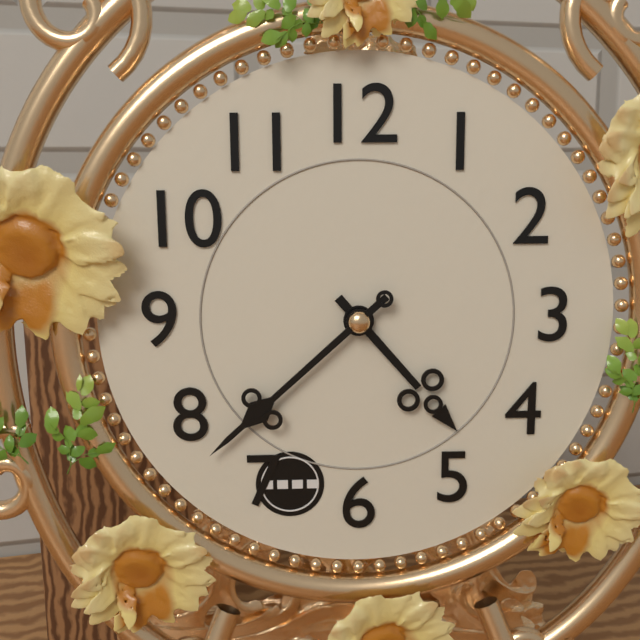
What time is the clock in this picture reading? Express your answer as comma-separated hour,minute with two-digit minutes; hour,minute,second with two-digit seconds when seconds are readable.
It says 4,38
